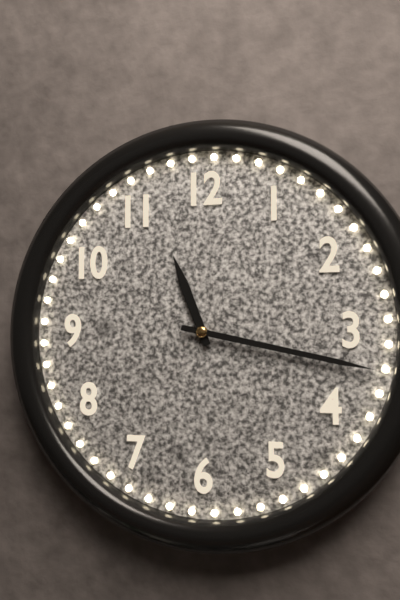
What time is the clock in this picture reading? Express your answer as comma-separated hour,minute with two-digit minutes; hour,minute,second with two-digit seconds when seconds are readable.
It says 11,17
